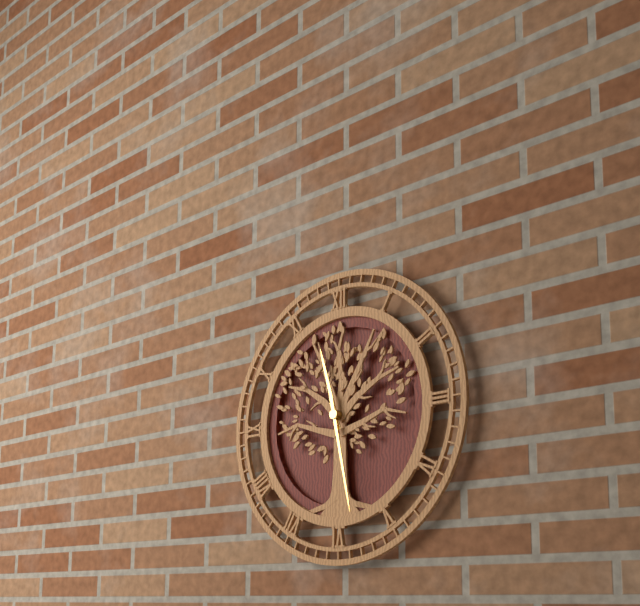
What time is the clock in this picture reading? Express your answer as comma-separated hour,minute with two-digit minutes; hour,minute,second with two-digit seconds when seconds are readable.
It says 11,28
